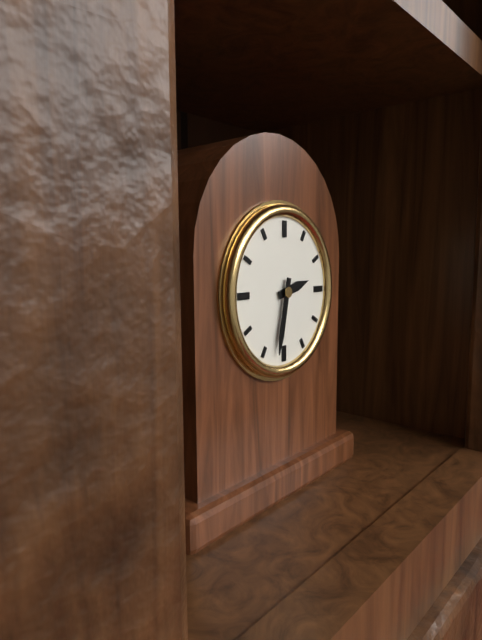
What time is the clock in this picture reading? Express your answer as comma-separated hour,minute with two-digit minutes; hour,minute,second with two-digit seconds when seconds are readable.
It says 2,32
